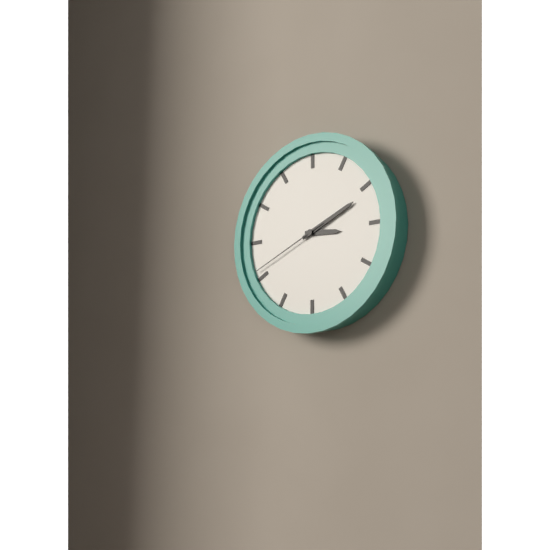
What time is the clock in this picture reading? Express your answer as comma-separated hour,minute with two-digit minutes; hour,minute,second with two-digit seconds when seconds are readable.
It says 3,11,41
